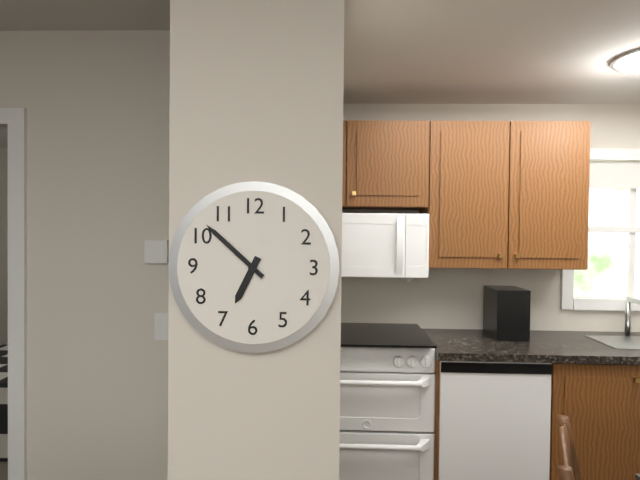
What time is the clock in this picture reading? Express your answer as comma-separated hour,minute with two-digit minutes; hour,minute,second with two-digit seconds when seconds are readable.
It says 6,52
